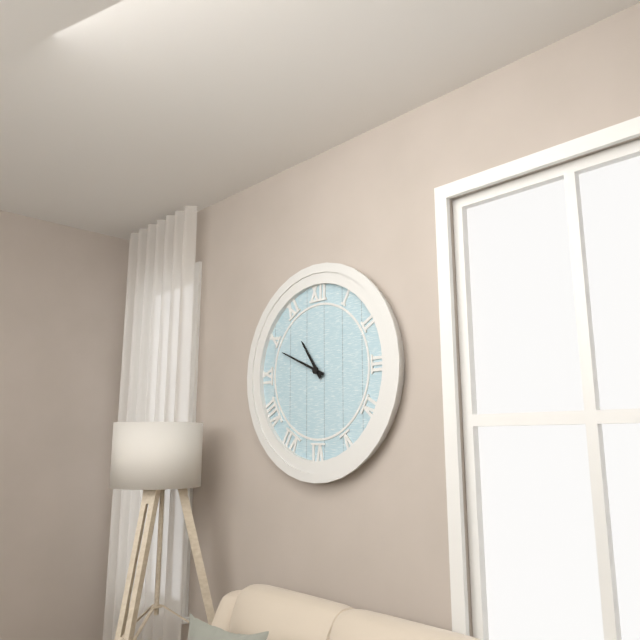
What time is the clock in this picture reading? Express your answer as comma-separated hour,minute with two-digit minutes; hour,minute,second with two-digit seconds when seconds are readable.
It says 10,49
